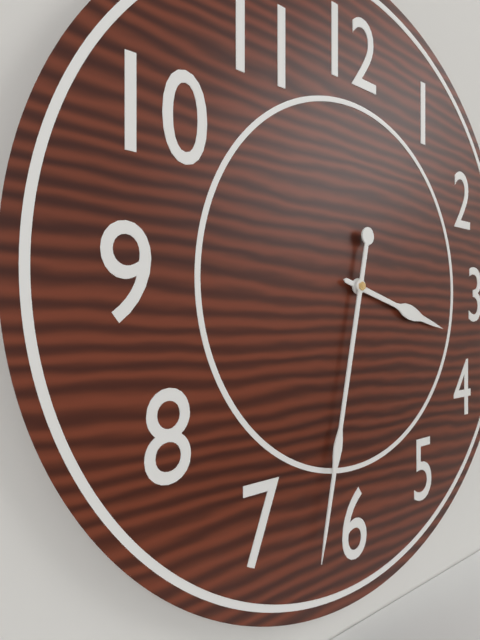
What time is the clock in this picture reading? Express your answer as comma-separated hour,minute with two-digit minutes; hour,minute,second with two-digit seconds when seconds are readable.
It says 3,32
